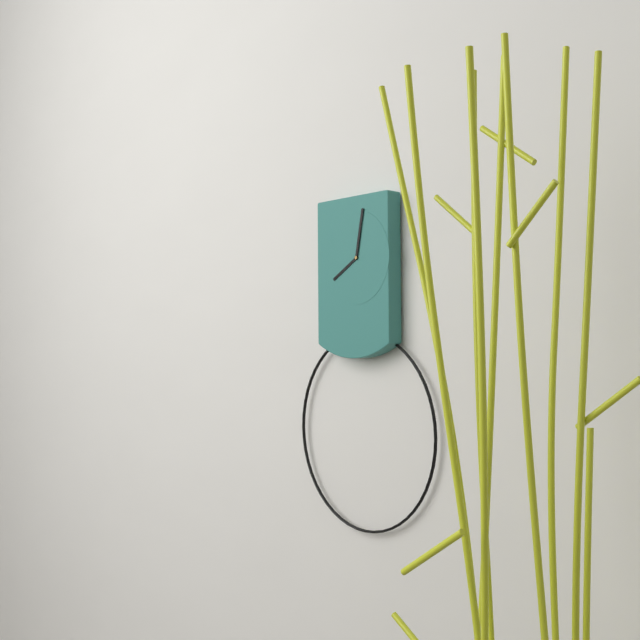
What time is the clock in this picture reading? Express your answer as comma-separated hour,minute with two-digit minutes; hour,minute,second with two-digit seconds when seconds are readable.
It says 8,02
